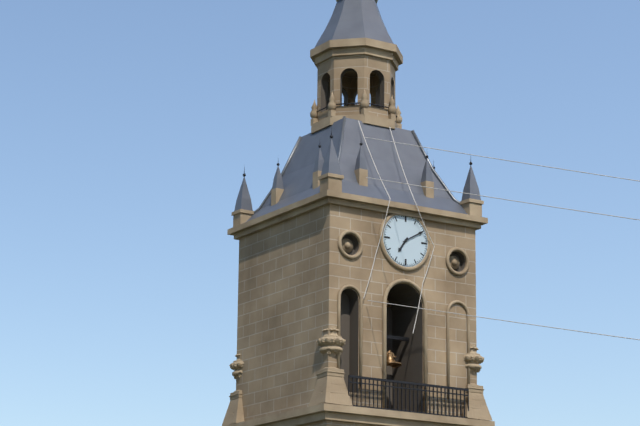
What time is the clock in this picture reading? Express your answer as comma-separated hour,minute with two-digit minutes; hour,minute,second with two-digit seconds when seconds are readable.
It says 7,10
